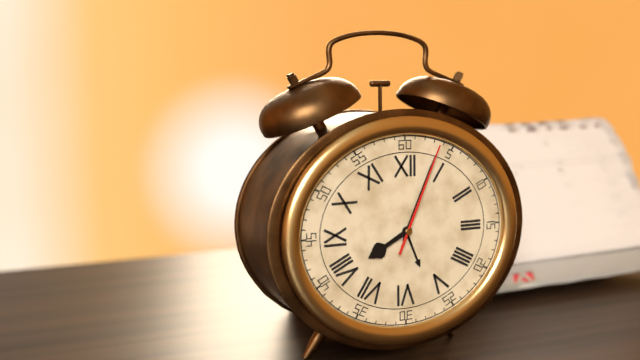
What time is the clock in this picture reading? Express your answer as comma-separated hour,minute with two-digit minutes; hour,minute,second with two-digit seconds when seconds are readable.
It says 8,04,04
